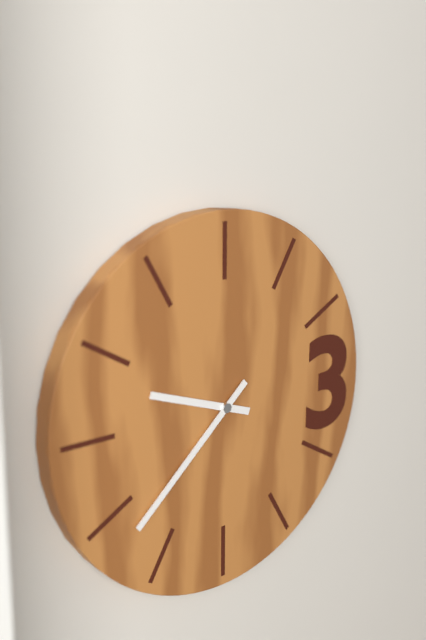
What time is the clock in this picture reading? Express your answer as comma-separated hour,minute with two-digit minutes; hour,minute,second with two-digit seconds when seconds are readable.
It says 9,38
